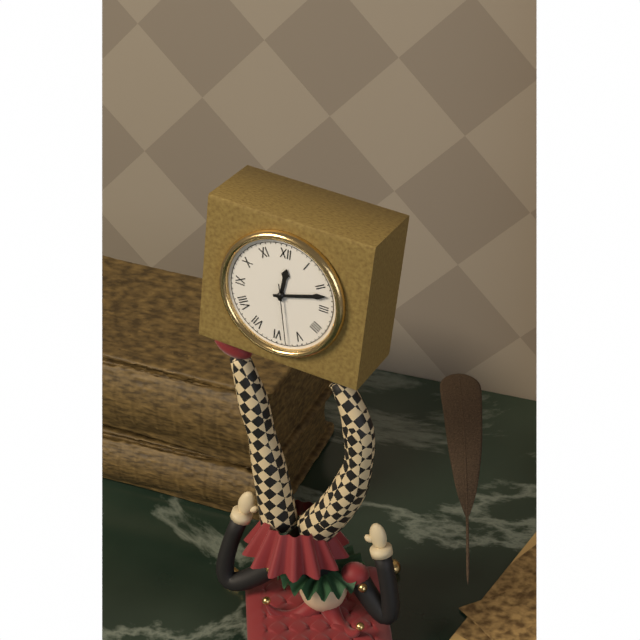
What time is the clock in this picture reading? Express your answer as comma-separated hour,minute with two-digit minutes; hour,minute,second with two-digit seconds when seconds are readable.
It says 12,12,28
